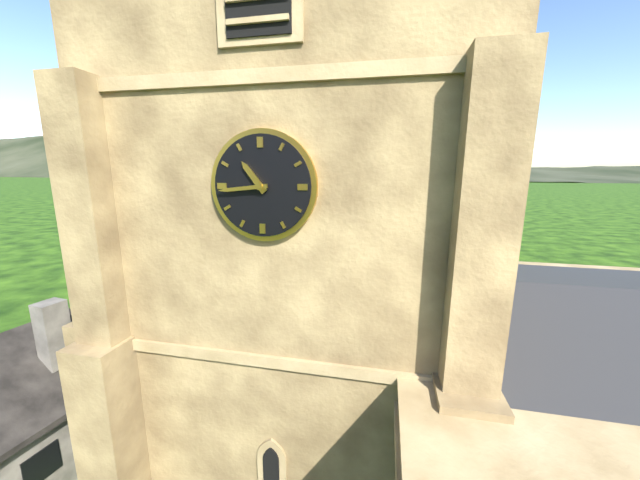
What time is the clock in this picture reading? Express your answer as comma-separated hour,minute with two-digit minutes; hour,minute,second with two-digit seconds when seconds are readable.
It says 10,44
